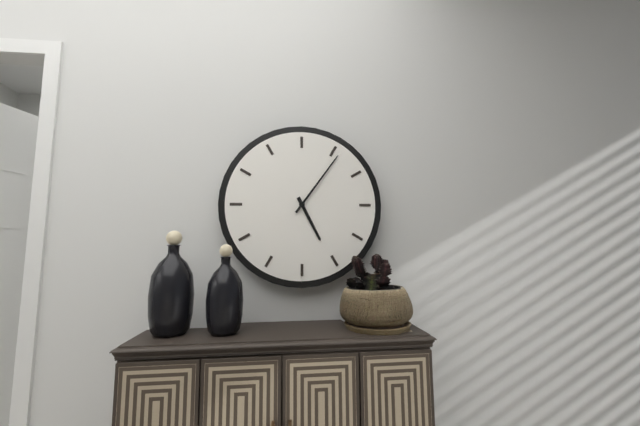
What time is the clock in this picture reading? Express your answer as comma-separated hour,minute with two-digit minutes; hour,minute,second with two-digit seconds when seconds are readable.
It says 5,06
